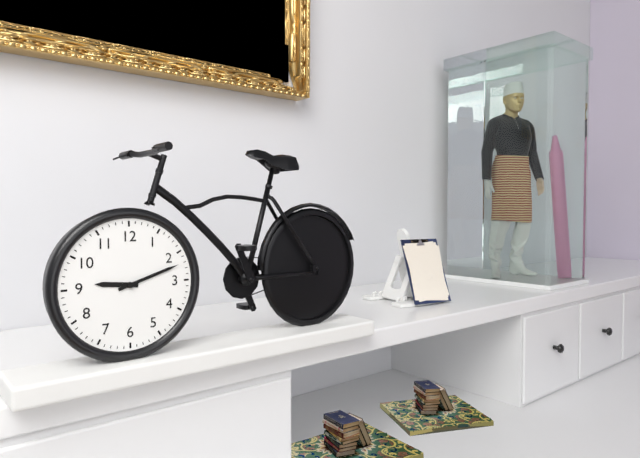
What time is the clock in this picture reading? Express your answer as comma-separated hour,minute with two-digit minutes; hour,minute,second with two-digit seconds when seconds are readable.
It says 9,12
